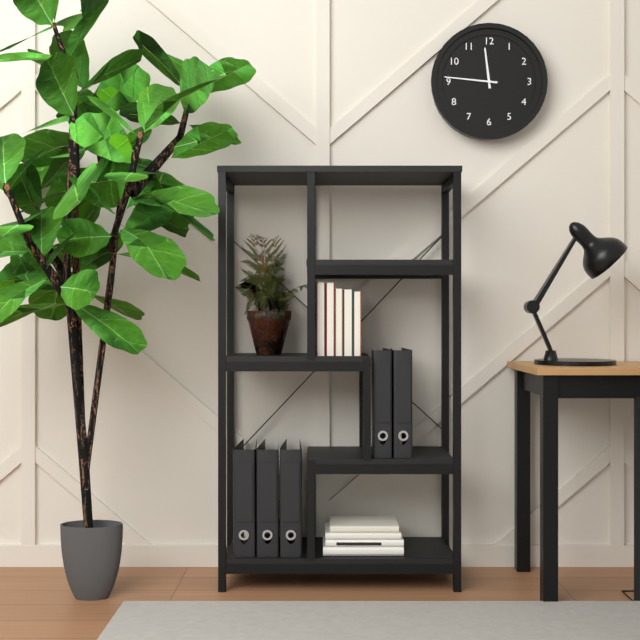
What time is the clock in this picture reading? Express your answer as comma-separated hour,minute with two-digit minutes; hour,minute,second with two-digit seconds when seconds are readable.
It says 11,46
